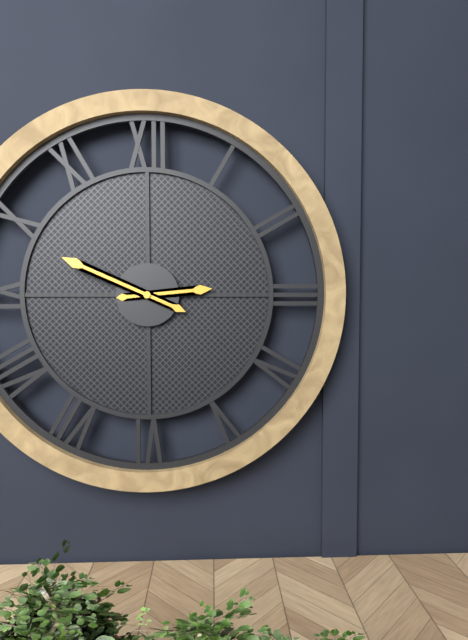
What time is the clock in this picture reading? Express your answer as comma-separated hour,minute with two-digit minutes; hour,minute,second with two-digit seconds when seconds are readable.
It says 2,49
